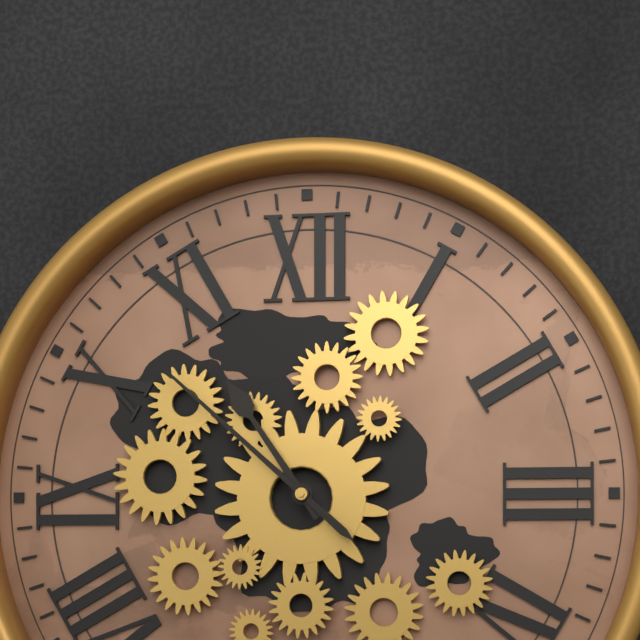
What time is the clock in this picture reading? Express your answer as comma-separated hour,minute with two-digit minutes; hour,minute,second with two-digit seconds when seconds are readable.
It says 10,52
